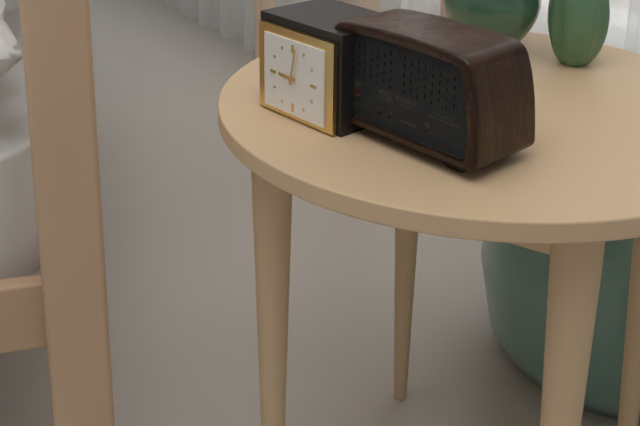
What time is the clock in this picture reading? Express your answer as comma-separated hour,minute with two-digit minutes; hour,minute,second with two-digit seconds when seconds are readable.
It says 9,02
